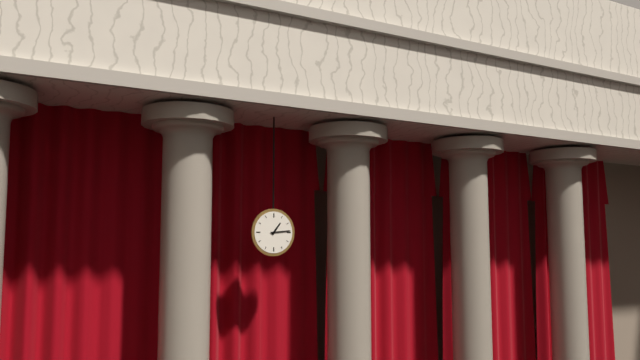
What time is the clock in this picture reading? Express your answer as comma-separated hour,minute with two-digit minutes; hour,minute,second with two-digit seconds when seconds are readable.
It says 1,14
